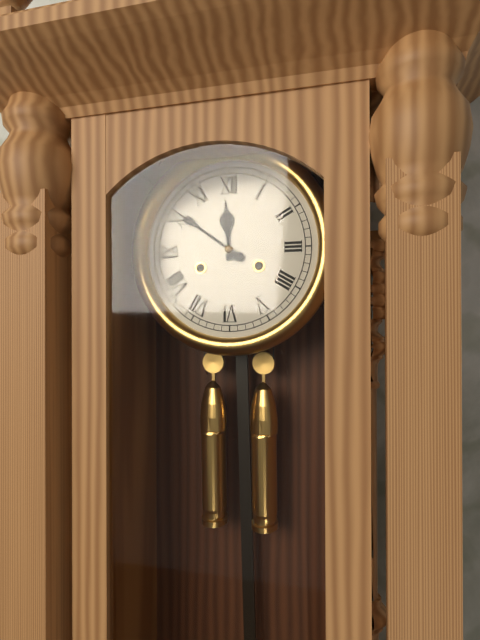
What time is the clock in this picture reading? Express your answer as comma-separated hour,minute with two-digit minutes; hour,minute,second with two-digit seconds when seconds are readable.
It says 11,51
